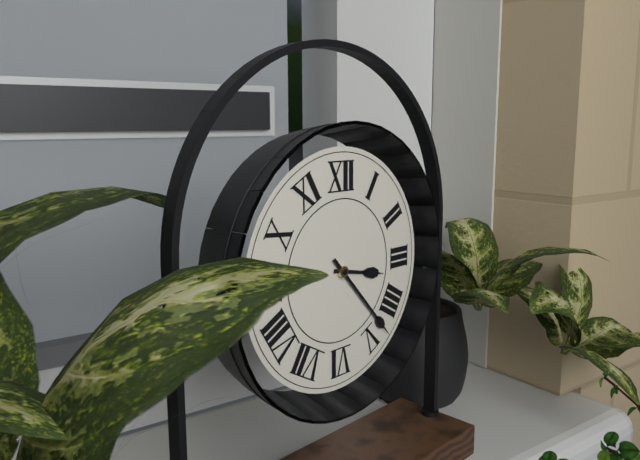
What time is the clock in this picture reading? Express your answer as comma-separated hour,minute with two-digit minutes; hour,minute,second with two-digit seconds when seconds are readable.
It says 3,23
